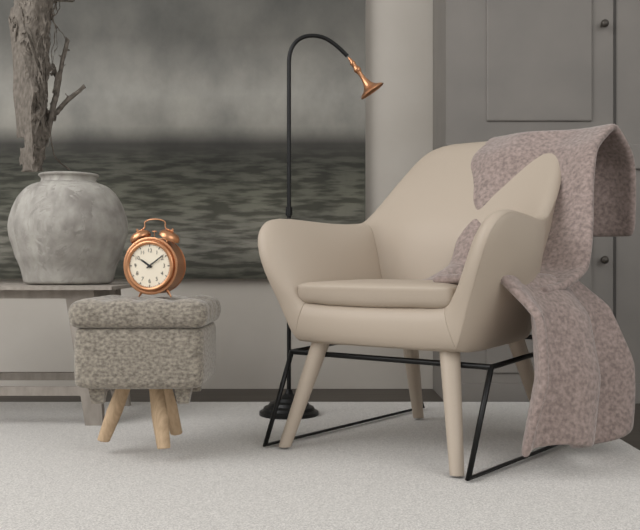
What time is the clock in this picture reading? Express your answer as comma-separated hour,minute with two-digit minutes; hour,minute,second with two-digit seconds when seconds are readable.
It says 10,09
